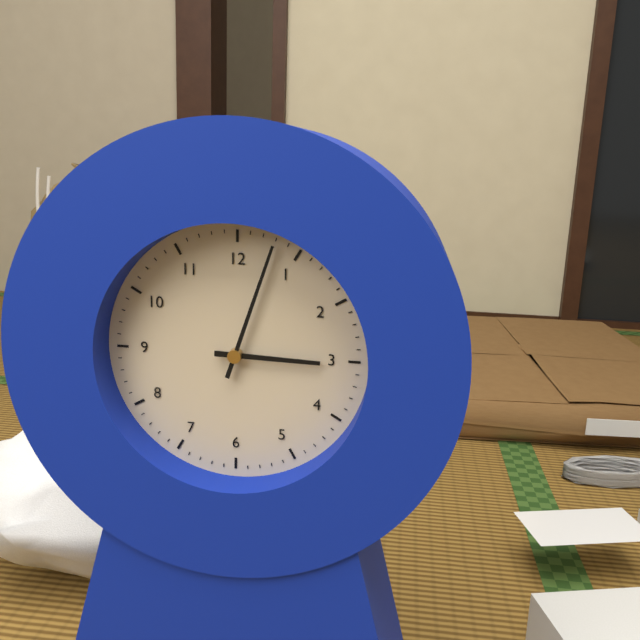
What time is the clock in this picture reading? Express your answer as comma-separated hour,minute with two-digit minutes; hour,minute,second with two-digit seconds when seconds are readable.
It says 3,03
